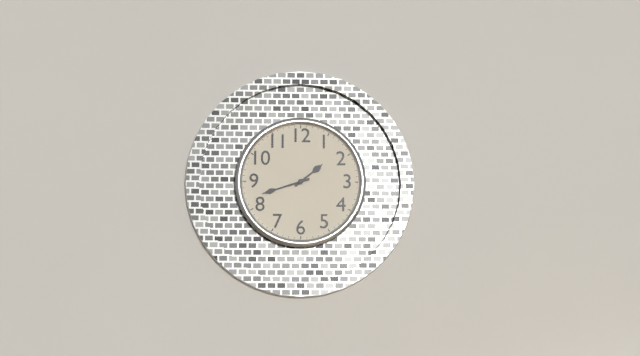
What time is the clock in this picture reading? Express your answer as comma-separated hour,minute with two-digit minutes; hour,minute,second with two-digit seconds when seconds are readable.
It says 1,42
